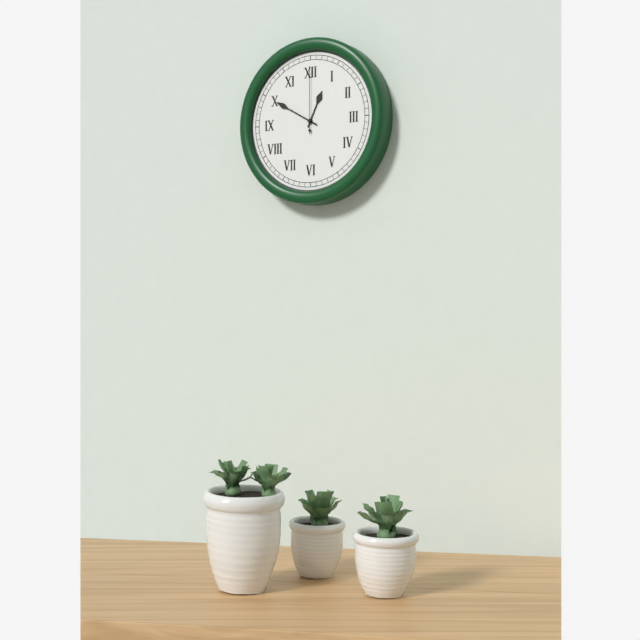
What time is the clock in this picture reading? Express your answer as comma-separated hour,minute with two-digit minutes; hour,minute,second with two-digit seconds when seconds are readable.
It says 12,50,00
